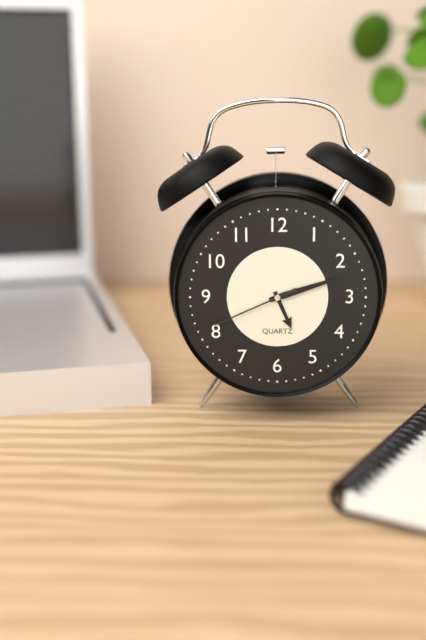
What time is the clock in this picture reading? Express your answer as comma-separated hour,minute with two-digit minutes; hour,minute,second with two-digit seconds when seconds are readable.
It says 5,12,41
